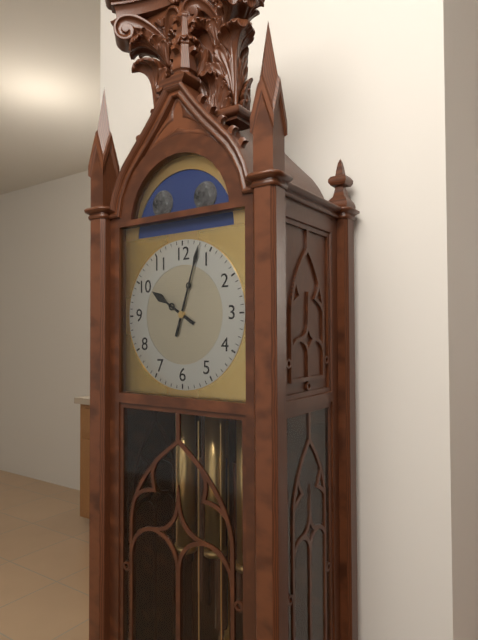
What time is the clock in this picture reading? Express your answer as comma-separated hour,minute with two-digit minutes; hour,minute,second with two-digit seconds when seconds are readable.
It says 10,03
